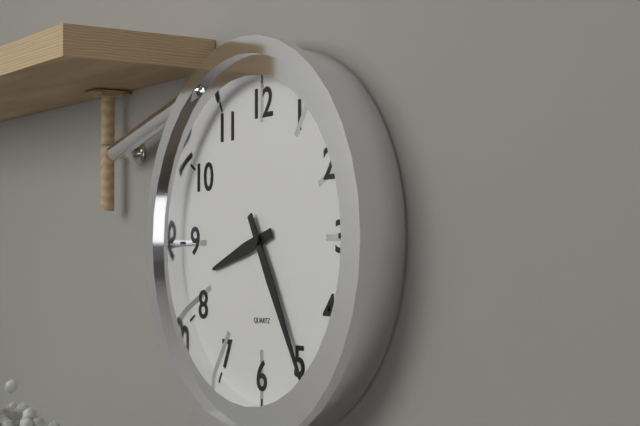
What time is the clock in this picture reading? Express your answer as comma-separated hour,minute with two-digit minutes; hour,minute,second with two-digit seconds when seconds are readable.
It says 8,25
